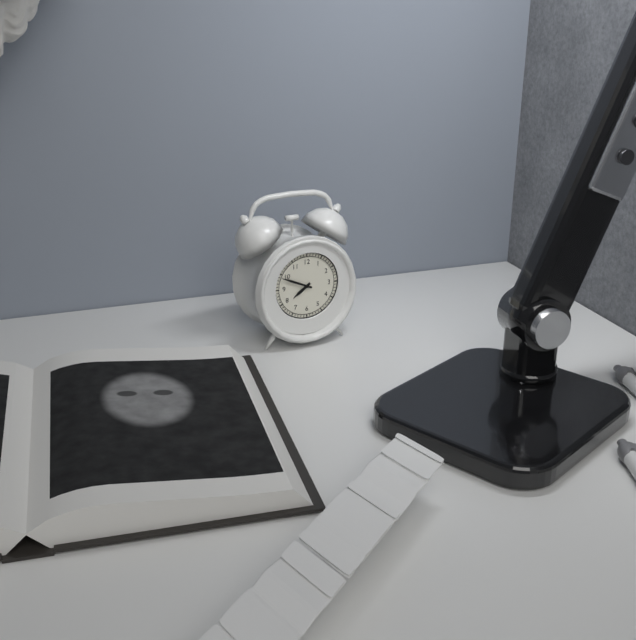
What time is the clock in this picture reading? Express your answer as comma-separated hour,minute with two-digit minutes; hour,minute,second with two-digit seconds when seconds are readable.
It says 7,49
